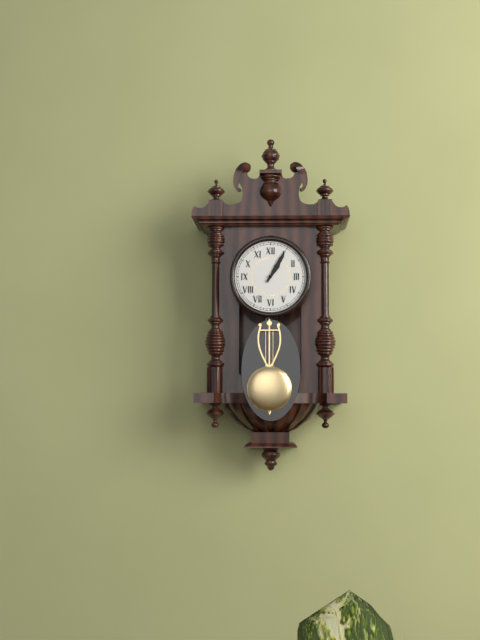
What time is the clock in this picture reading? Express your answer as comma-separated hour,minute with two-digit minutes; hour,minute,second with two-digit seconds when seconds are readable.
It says 1,05
